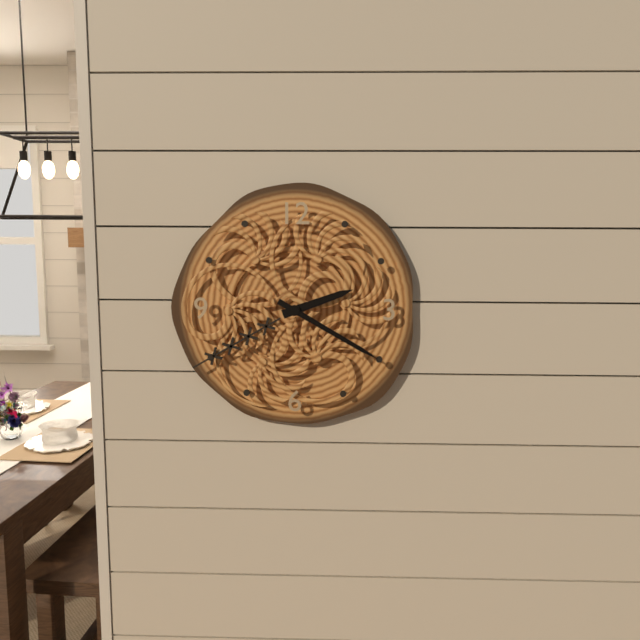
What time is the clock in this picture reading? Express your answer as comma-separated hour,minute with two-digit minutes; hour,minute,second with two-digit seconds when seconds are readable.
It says 2,20
